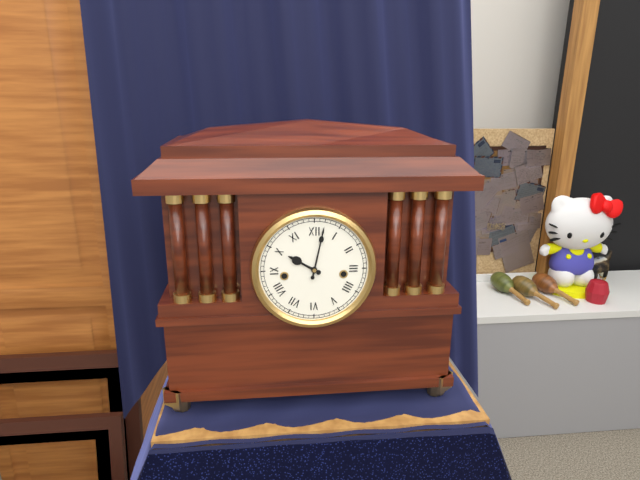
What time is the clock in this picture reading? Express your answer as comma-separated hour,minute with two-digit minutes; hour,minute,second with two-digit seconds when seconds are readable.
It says 10,02
